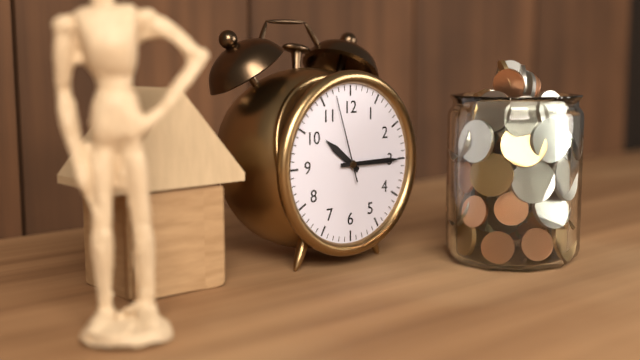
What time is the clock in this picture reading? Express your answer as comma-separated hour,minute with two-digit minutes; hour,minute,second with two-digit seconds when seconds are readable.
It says 10,15,57
